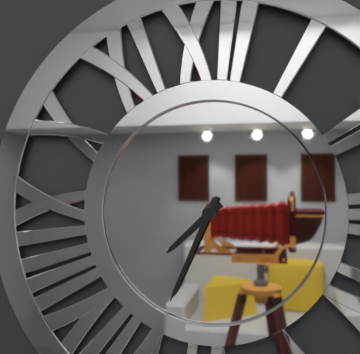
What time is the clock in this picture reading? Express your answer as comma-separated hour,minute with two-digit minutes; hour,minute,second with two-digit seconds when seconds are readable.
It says 7,34
